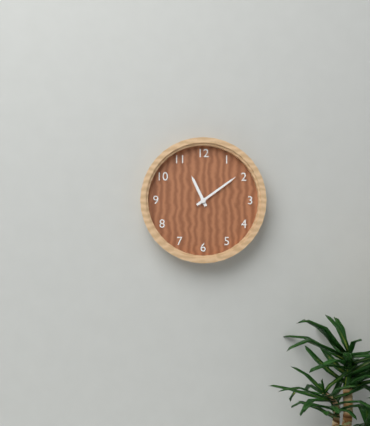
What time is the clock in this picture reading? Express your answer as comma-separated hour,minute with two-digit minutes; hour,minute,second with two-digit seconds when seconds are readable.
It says 11,09
